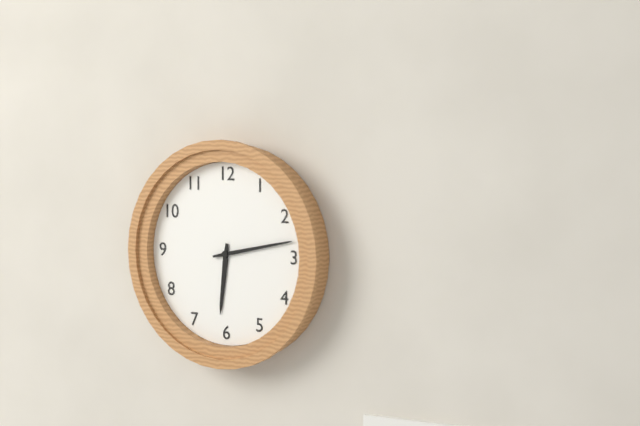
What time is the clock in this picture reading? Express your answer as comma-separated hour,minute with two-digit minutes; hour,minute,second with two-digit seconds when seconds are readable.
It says 6,13
